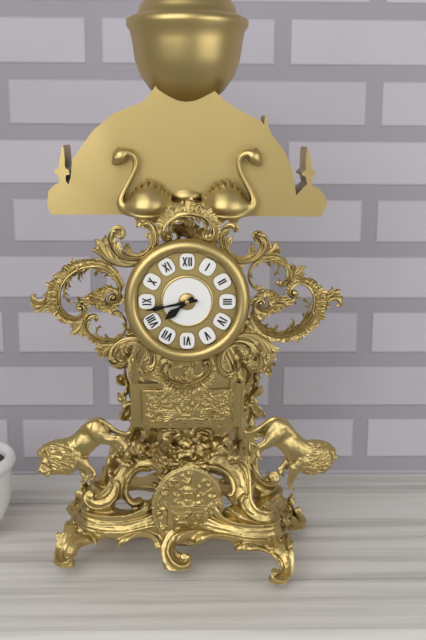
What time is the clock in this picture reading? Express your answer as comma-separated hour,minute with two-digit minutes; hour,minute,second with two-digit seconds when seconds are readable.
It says 7,43
